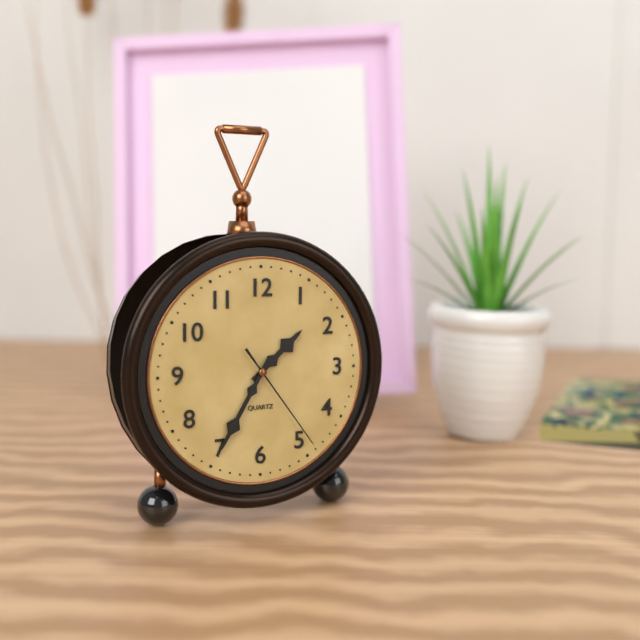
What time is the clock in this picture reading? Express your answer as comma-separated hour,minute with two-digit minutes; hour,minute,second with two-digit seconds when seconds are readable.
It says 1,35,24
